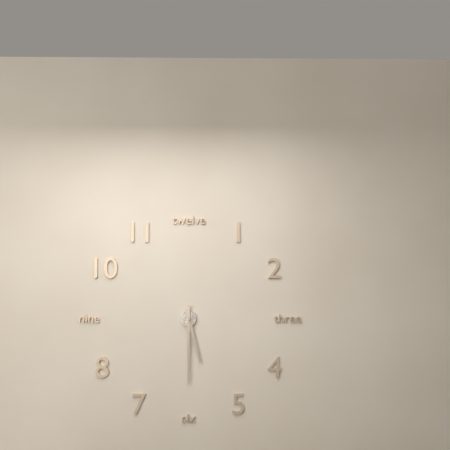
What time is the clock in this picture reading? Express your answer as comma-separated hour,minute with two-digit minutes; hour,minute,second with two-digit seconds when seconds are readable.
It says 5,30
